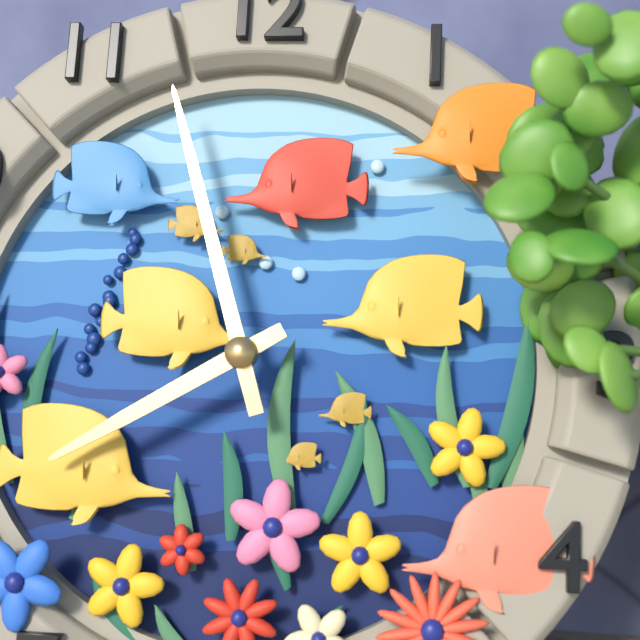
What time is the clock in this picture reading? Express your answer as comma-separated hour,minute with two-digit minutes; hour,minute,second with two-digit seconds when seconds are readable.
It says 7,57
